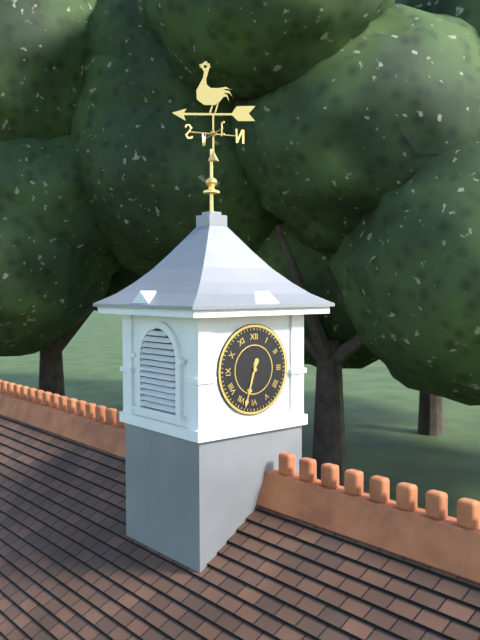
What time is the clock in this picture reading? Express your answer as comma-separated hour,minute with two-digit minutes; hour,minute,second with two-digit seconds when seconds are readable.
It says 6,33
